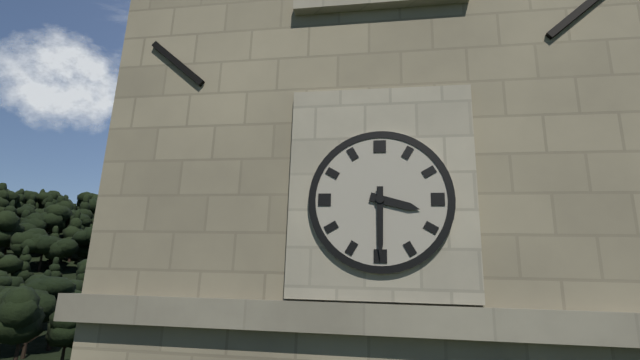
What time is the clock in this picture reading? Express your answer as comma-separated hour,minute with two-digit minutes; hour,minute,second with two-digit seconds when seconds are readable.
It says 3,30
